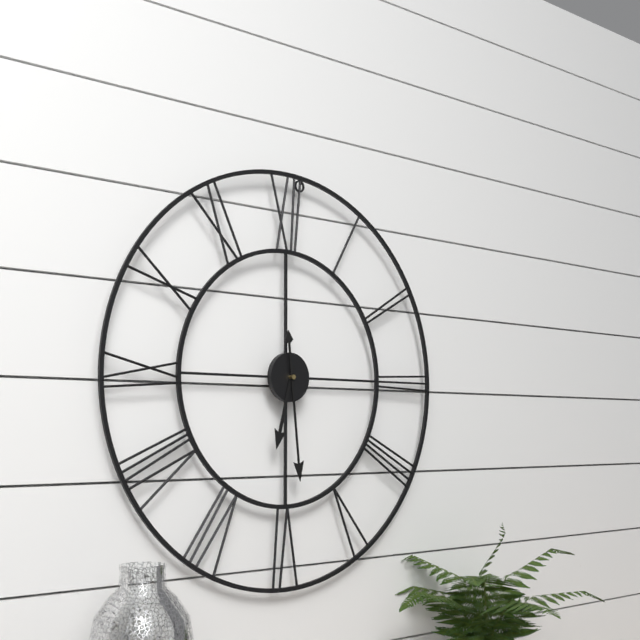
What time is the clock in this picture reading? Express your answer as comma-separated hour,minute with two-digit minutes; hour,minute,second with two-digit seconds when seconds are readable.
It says 6,29
